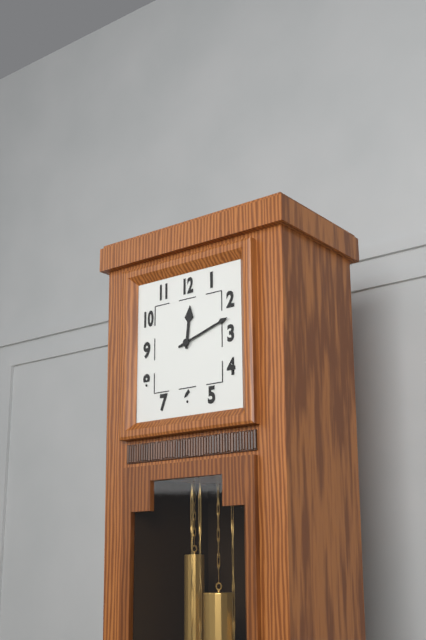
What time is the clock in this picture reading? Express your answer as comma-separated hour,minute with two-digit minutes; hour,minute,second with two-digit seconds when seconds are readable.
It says 12,12
